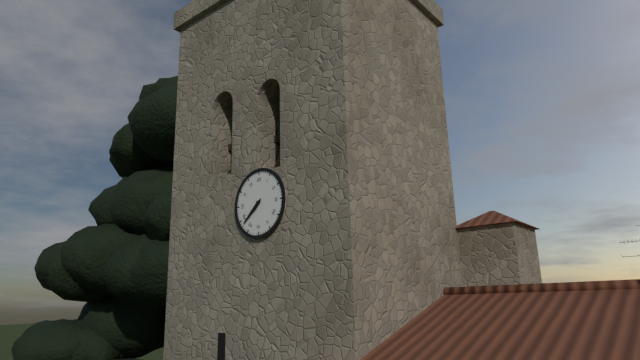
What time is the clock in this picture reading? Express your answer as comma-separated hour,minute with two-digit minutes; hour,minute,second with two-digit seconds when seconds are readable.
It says 7,38
